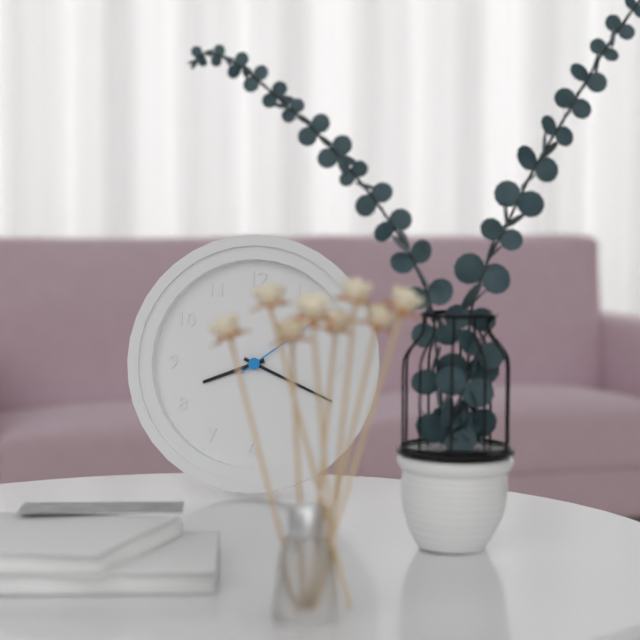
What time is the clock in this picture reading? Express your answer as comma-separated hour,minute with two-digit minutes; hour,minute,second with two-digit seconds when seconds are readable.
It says 8,19
